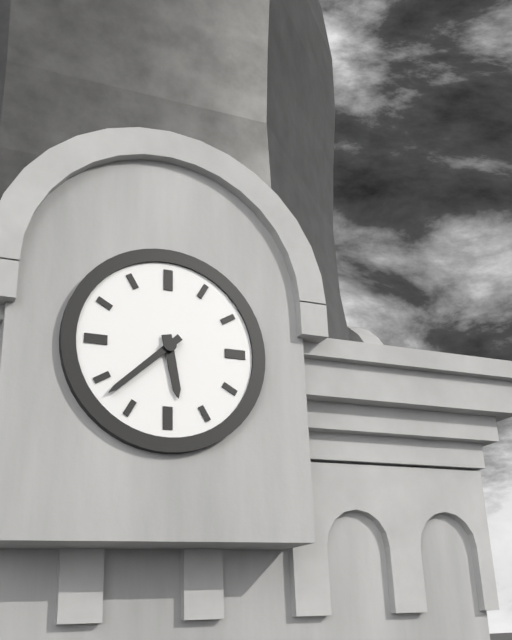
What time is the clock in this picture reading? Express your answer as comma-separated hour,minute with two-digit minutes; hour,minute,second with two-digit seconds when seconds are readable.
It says 5,38
